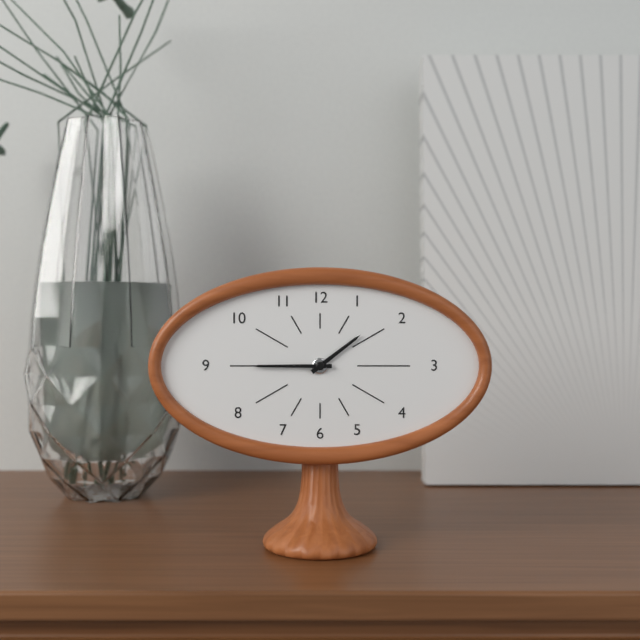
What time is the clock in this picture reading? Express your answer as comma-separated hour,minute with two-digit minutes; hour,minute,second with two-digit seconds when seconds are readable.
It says 1,45
